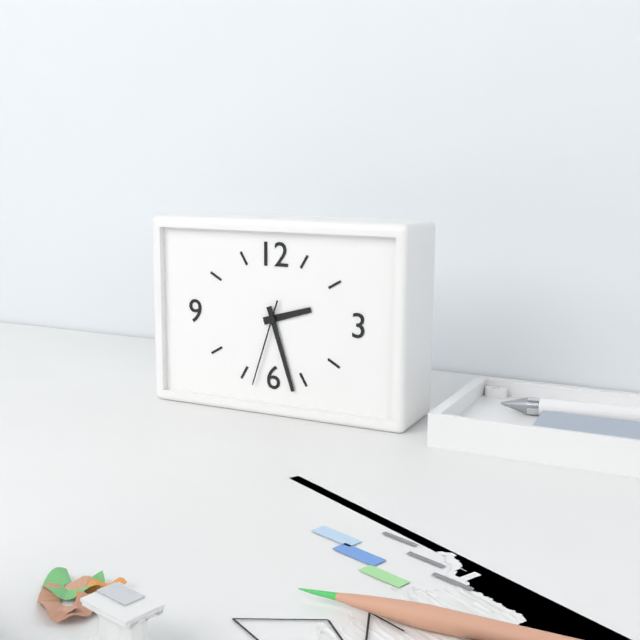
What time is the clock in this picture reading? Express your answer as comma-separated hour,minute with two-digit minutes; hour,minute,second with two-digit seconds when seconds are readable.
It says 2,27,33
